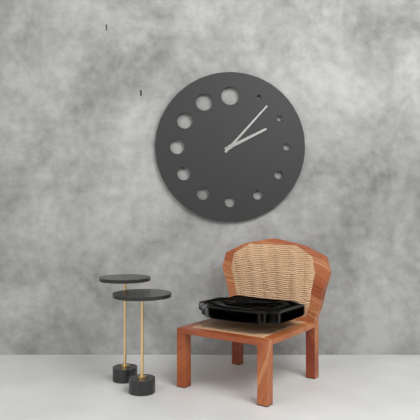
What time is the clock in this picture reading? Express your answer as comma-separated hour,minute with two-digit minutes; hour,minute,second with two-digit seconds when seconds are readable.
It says 2,07
